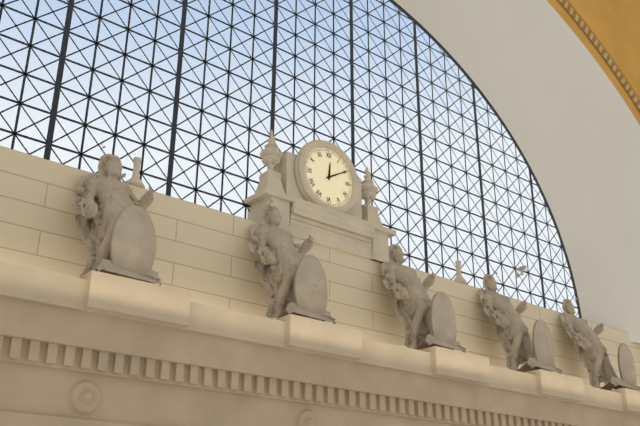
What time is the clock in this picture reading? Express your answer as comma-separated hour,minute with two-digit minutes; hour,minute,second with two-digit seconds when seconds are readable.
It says 12,10
